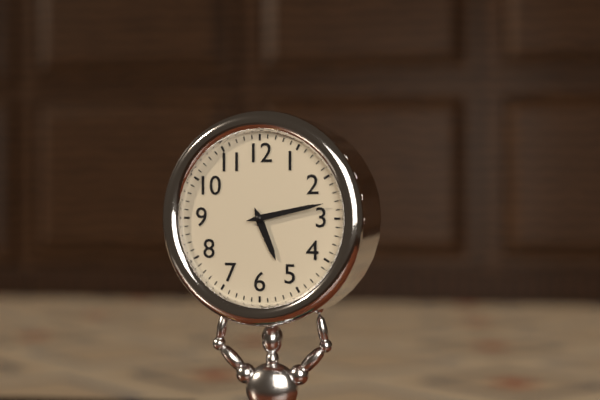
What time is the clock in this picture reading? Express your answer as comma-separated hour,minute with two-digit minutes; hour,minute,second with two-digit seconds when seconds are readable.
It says 5,13
